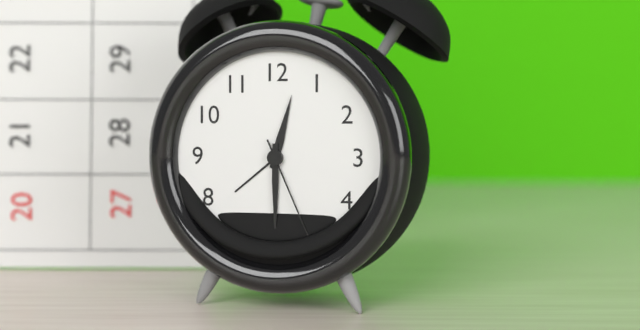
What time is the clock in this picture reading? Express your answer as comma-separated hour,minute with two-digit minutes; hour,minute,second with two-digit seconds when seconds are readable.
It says 12,30,26
